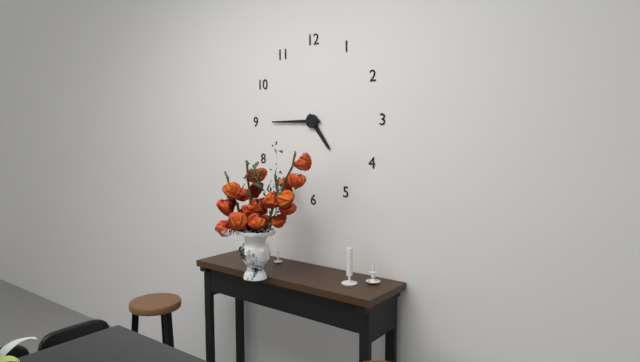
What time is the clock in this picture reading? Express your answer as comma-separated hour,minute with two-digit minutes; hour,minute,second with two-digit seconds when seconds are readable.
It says 4,45
